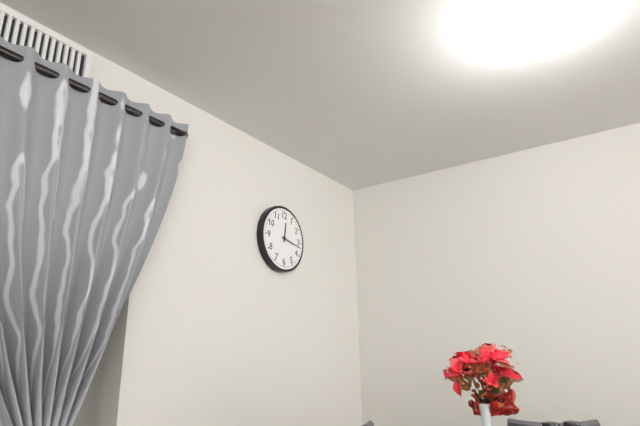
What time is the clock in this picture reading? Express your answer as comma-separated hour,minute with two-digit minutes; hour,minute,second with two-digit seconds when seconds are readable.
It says 12,17
